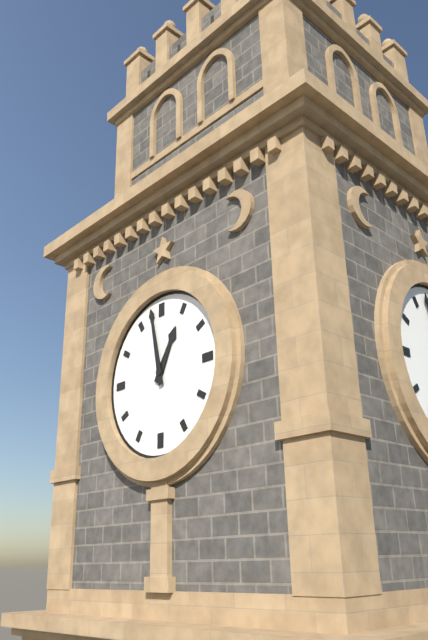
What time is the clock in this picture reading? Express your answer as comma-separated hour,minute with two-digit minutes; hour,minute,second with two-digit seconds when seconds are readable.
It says 12,58
